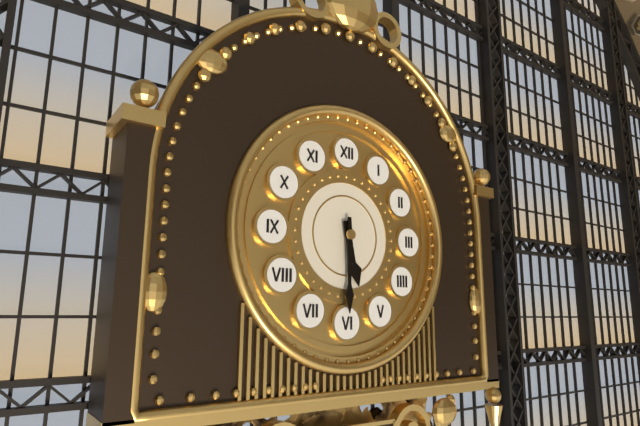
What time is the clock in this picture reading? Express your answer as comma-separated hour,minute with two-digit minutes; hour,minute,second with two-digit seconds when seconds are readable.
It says 5,30
